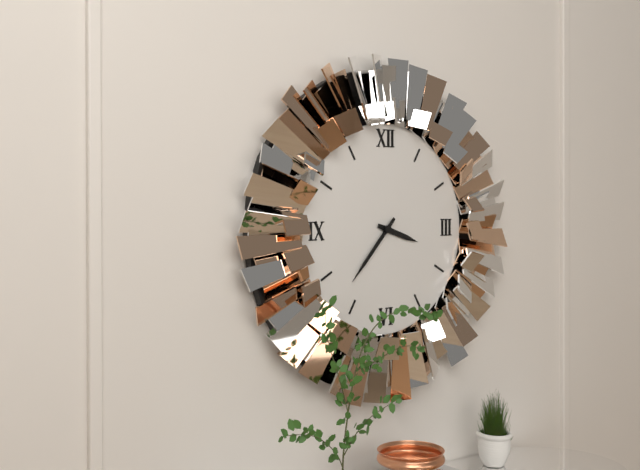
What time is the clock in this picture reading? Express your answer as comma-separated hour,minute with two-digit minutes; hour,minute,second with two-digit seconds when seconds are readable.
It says 3,37
